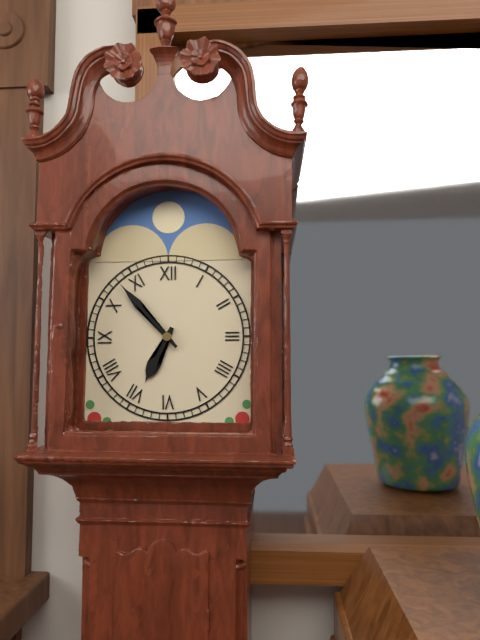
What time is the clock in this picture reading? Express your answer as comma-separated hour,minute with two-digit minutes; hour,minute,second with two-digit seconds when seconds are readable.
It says 6,53
